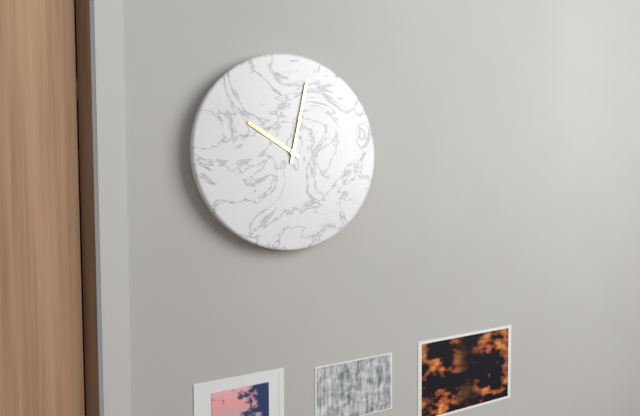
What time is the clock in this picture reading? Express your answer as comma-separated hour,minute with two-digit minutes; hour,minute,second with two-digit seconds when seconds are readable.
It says 10,02
